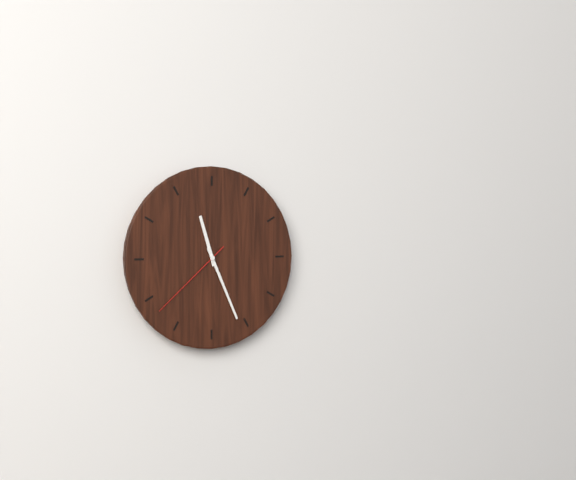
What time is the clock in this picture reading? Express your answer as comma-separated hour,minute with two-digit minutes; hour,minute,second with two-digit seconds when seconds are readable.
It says 11,26,38
